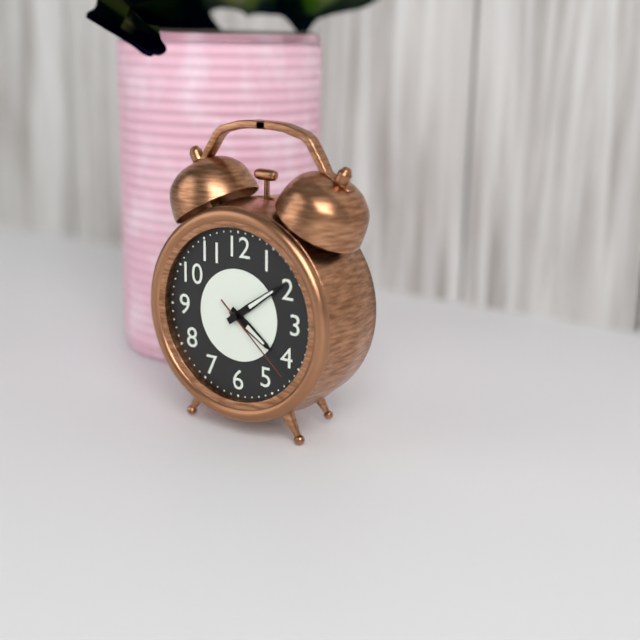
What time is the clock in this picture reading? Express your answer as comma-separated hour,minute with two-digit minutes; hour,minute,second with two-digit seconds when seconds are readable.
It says 4,09,22
